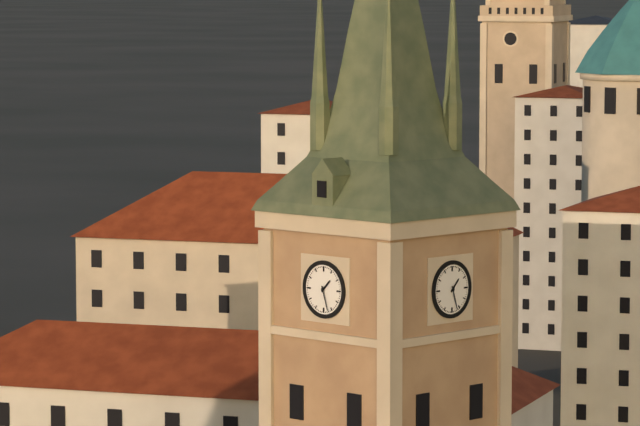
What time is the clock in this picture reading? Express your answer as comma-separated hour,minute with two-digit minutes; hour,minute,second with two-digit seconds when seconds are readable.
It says 1,27
